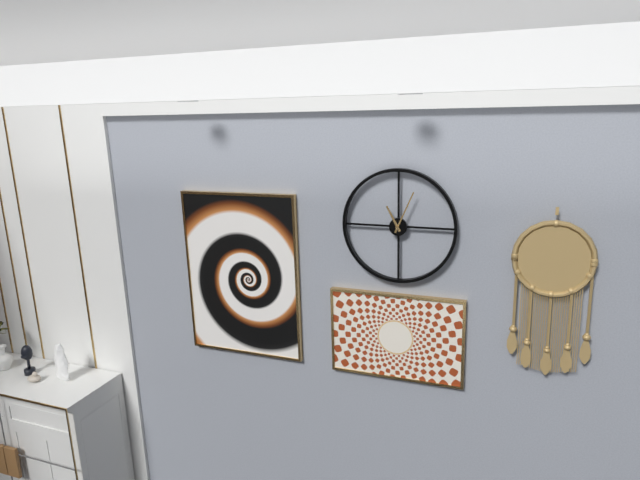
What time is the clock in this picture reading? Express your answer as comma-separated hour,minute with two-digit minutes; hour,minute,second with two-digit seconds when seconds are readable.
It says 11,04
